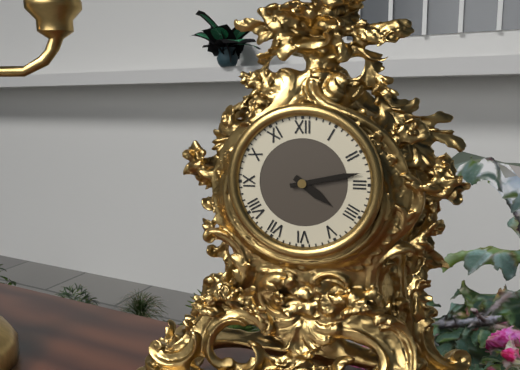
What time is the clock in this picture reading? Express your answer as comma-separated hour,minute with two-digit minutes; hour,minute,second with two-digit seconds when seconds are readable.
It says 4,13
